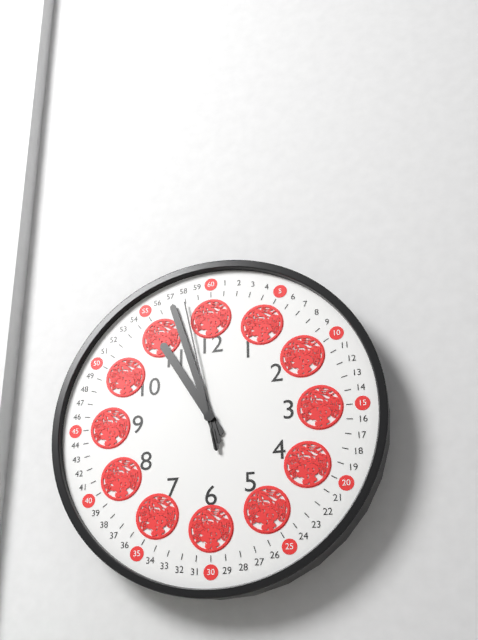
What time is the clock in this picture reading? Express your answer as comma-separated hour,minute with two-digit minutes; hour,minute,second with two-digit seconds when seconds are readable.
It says 10,57,58
